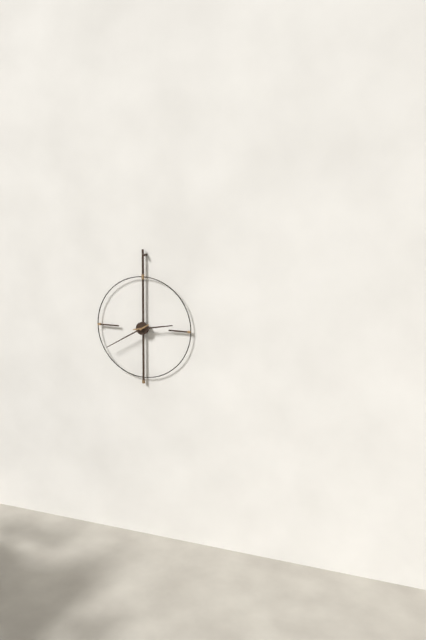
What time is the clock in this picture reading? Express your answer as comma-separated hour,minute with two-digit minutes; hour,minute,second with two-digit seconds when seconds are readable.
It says 2,40
